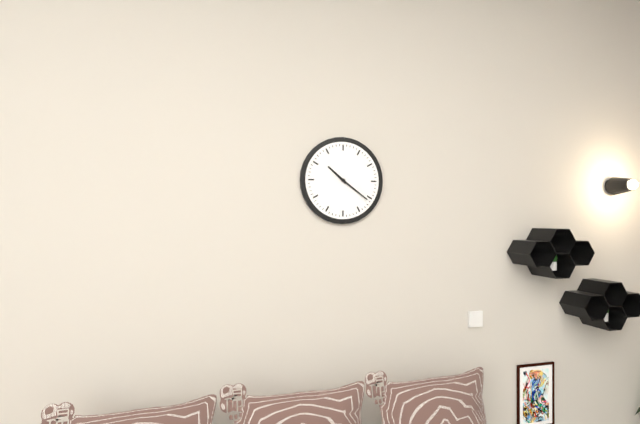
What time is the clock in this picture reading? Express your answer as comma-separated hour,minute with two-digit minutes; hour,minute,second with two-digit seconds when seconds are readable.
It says 10,21
